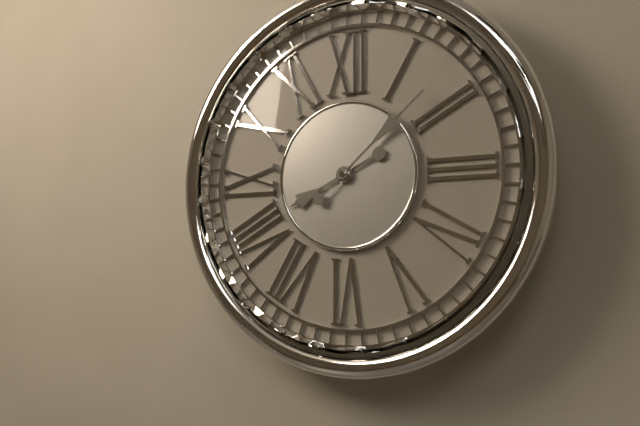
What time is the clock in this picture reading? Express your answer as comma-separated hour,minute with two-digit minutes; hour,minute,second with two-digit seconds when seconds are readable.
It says 8,08
